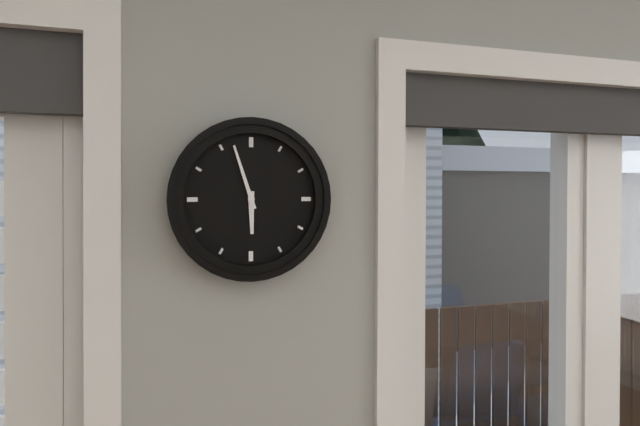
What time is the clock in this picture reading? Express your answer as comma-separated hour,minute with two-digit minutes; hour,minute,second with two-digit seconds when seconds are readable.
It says 5,57
